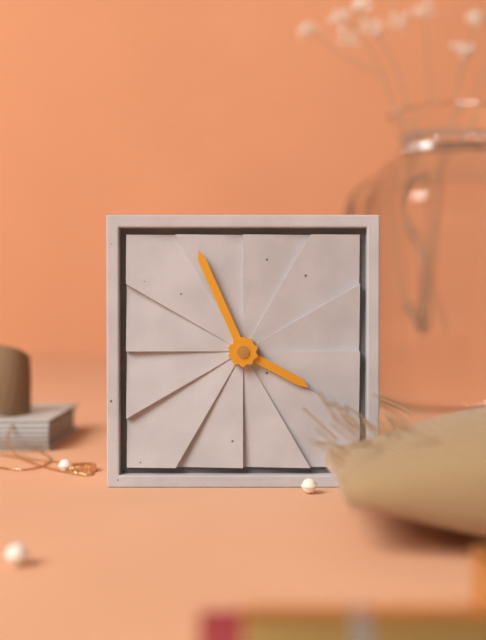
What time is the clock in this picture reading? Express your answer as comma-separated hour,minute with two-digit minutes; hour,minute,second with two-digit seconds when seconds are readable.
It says 3,56
